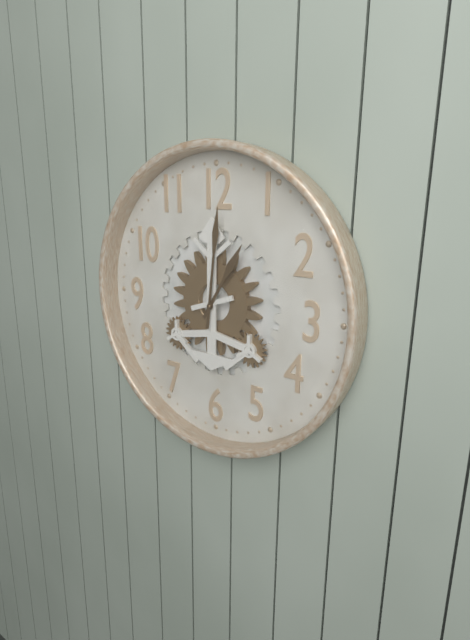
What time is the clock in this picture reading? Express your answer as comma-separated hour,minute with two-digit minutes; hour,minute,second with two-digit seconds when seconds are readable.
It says 1,01
